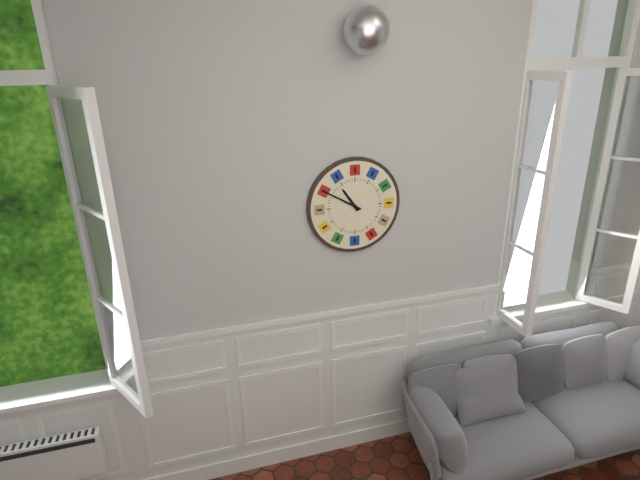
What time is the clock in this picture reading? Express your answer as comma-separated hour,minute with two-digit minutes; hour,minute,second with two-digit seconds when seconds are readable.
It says 10,50
